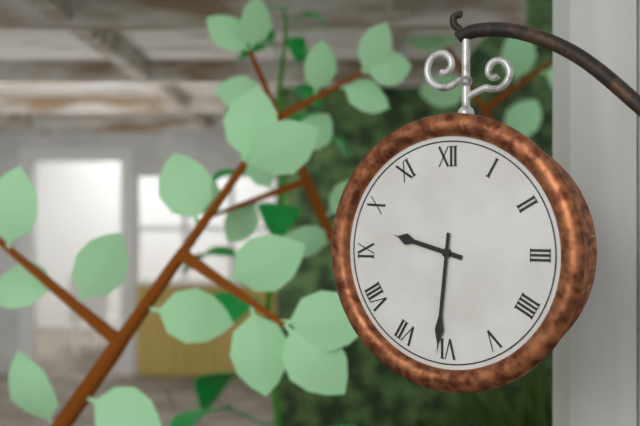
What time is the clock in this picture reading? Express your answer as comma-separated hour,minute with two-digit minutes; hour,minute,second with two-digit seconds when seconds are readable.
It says 9,31
